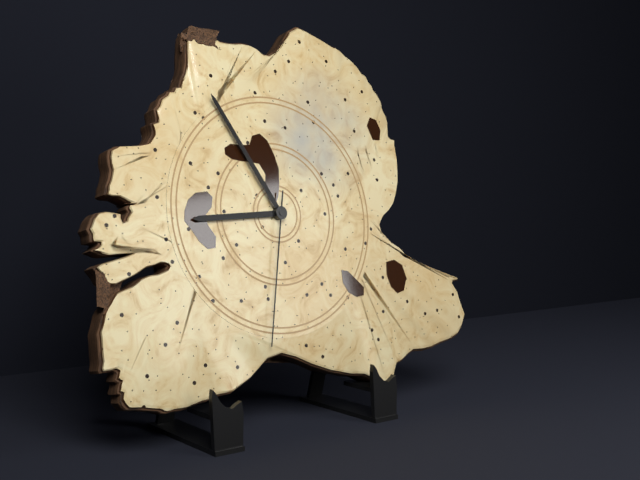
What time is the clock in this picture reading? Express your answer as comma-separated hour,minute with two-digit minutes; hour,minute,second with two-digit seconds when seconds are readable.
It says 8,55,32
